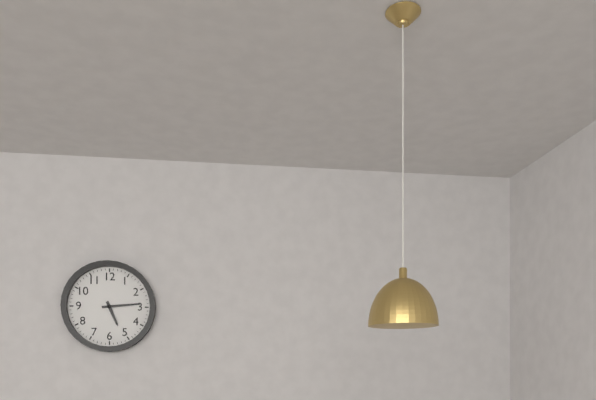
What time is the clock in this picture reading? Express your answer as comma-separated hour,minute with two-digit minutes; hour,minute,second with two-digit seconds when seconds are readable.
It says 5,14
